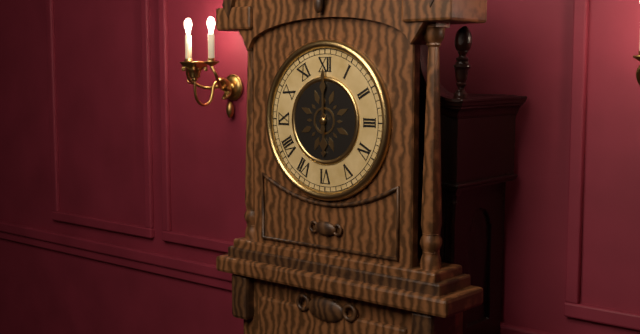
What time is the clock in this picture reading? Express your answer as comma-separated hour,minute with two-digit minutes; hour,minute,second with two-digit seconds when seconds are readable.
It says 6,00
